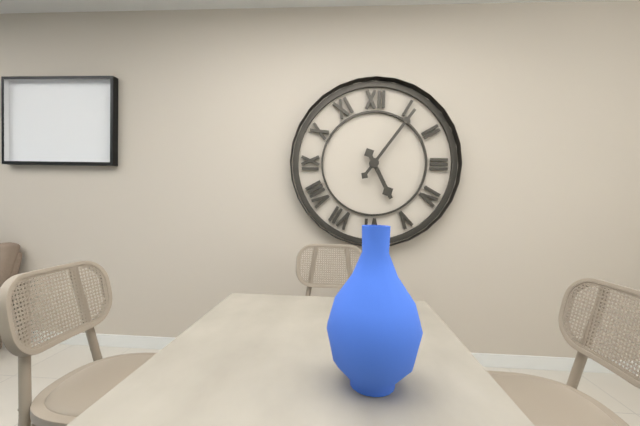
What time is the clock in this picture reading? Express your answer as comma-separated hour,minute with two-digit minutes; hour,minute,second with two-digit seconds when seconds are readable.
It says 5,06
